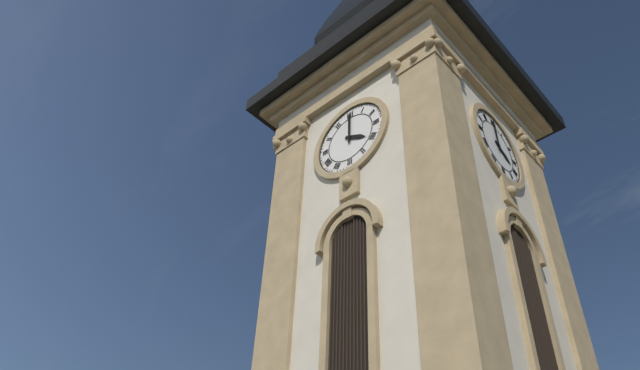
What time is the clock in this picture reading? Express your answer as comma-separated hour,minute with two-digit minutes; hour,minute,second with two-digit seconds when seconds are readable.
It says 4,00
